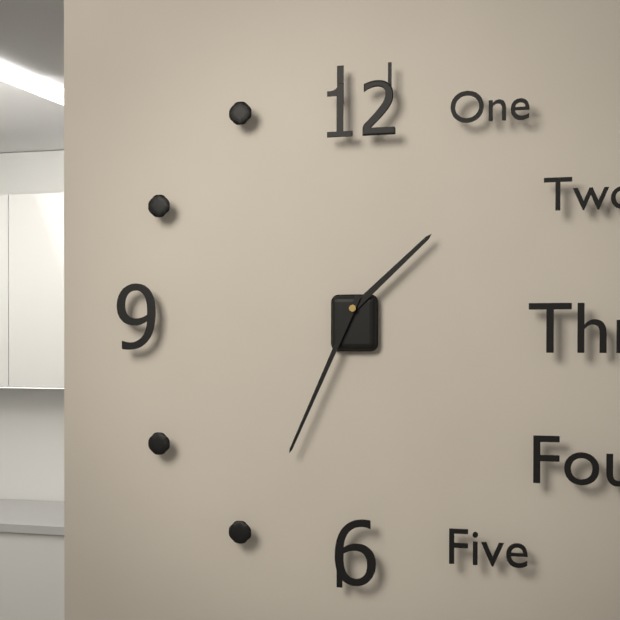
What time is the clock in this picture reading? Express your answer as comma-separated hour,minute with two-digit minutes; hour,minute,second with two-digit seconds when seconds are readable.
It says 1,34
